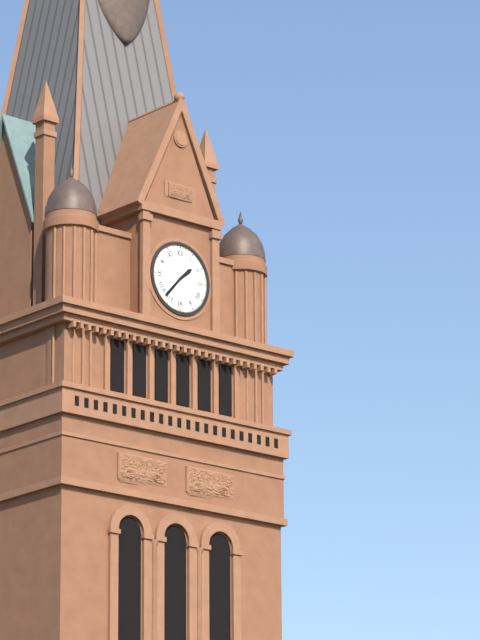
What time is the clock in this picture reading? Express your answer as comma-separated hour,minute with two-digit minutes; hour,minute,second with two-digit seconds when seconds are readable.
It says 1,37
